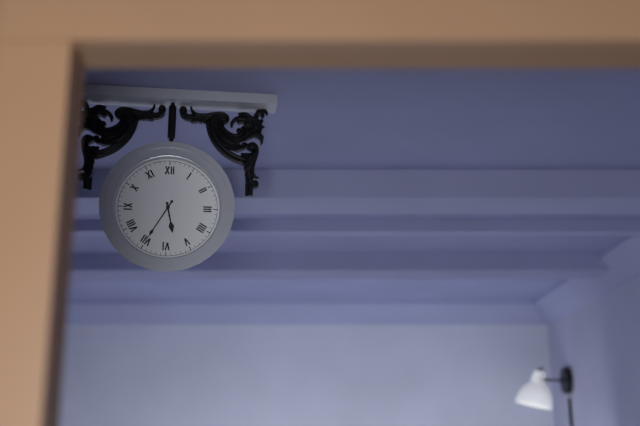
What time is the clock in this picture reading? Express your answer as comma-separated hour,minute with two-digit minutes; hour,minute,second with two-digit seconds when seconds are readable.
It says 5,35
